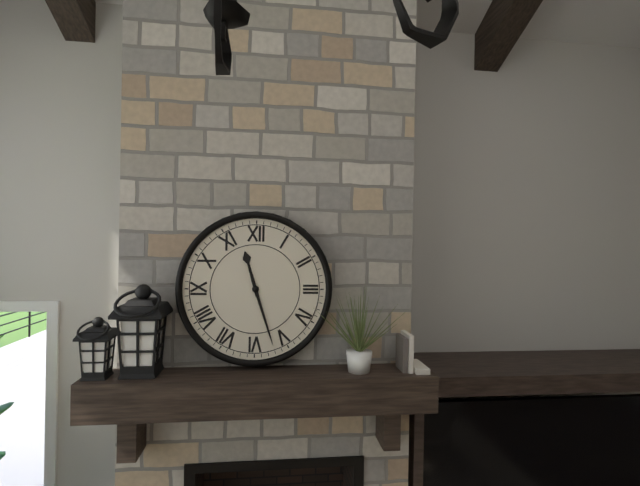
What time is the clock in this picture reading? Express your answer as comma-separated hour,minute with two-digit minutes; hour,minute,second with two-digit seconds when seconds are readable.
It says 11,27
